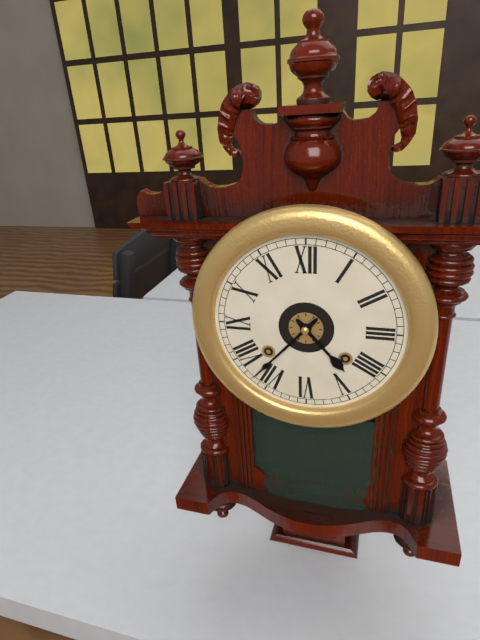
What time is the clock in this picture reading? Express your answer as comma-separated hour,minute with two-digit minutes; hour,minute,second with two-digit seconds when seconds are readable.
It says 4,37
